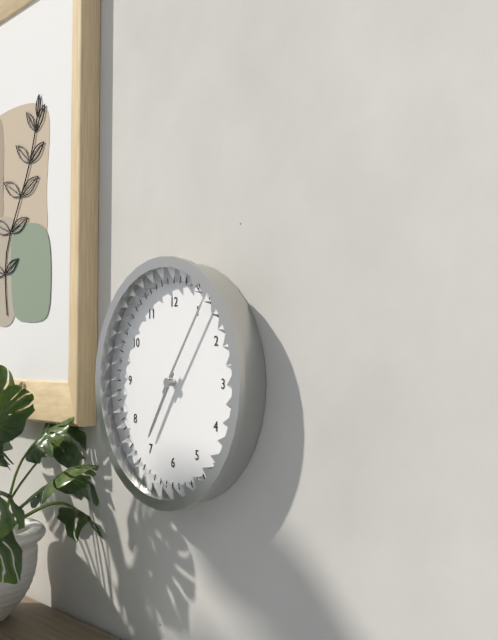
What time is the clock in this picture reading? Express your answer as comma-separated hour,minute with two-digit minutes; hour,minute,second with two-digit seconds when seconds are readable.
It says 7,06
